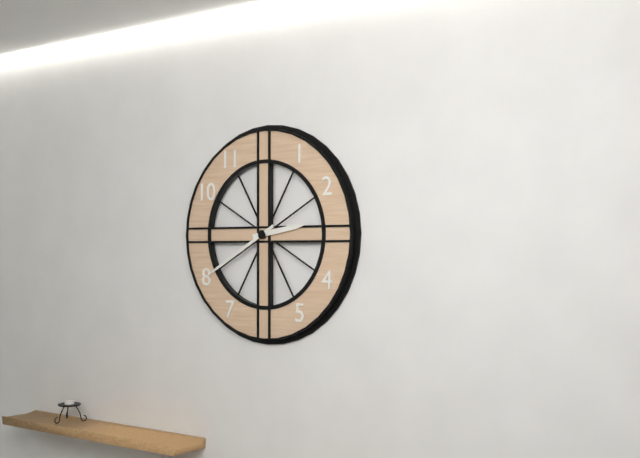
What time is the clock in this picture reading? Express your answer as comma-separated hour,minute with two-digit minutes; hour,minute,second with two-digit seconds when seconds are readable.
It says 2,40
